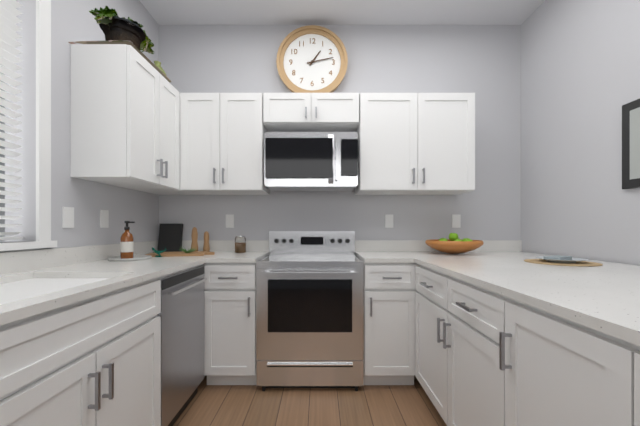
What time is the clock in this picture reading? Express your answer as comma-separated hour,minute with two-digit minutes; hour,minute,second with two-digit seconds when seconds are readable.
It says 1,13
